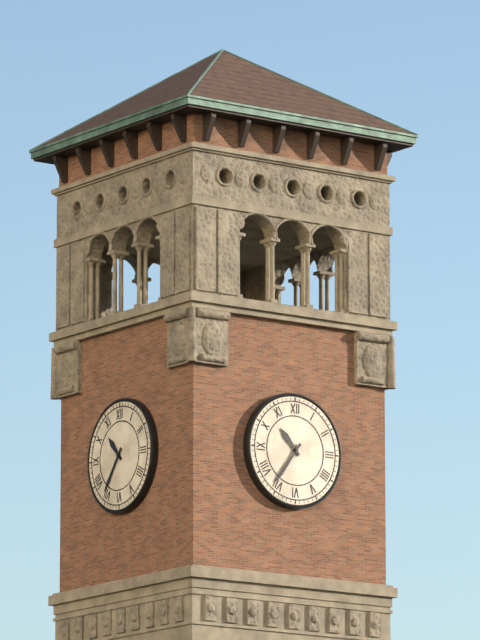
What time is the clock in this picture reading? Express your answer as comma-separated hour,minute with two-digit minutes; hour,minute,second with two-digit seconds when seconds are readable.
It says 10,36
